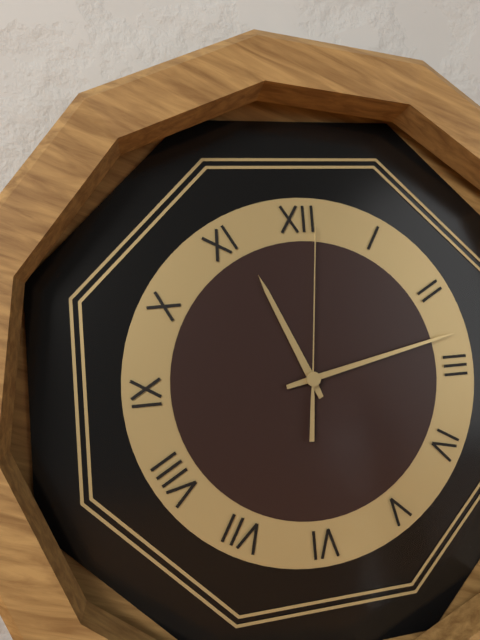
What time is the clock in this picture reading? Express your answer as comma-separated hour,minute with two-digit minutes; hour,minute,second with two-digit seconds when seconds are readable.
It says 11,13,01
